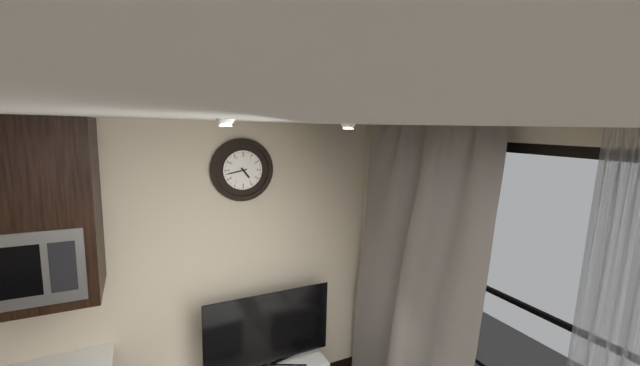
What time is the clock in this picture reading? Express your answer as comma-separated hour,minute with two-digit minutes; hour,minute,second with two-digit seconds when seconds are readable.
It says 4,43
